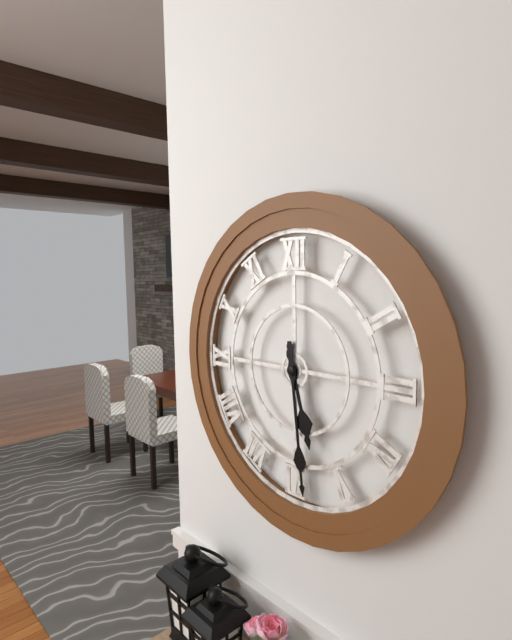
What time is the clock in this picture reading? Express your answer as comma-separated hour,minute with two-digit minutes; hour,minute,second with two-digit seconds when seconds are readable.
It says 5,29
